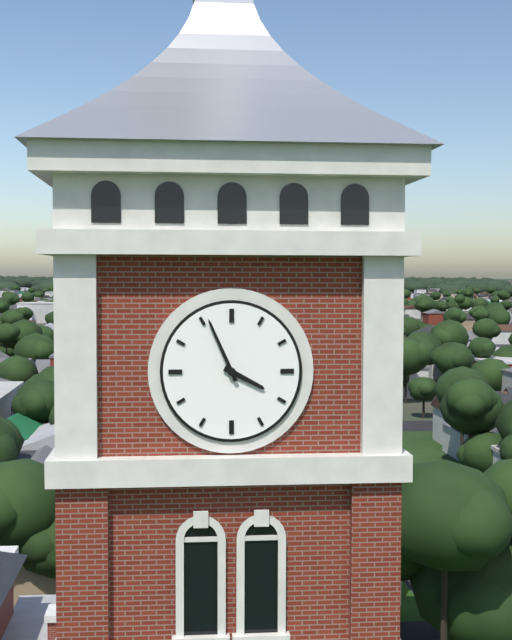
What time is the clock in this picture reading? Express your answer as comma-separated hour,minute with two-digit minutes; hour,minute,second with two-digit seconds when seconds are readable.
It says 3,56
